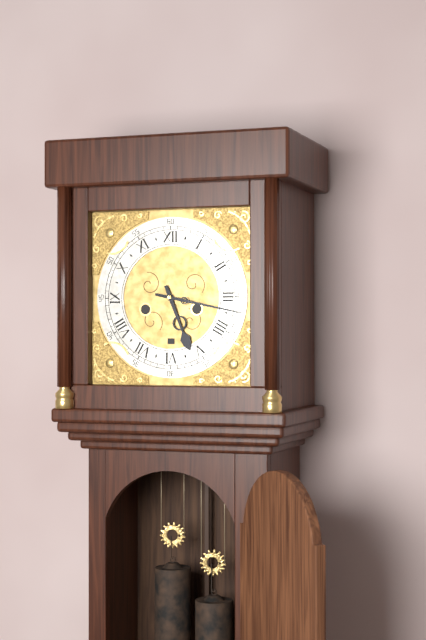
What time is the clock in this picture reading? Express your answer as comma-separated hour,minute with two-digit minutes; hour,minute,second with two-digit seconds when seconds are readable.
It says 5,17
